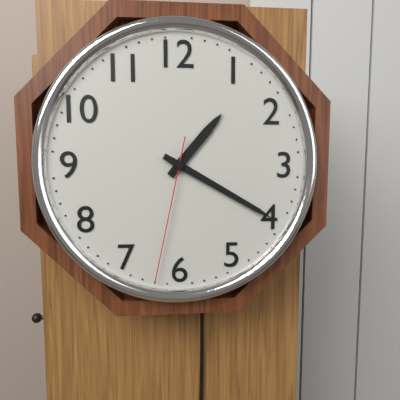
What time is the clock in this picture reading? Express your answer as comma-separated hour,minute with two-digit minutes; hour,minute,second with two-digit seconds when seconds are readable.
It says 1,20,32
